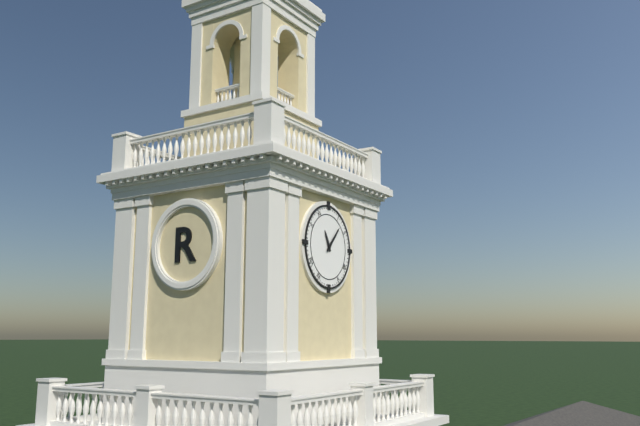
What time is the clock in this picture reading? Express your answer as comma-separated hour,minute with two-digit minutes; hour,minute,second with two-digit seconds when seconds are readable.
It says 11,07
